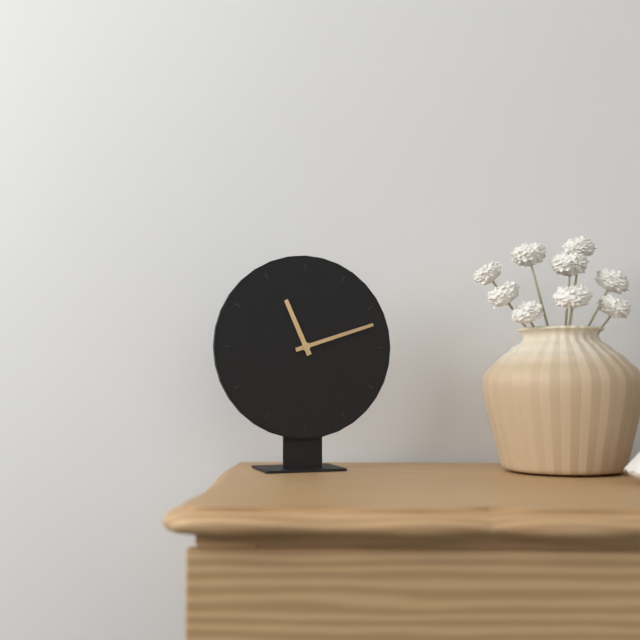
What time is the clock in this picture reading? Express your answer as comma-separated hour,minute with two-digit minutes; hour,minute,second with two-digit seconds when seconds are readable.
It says 11,12
